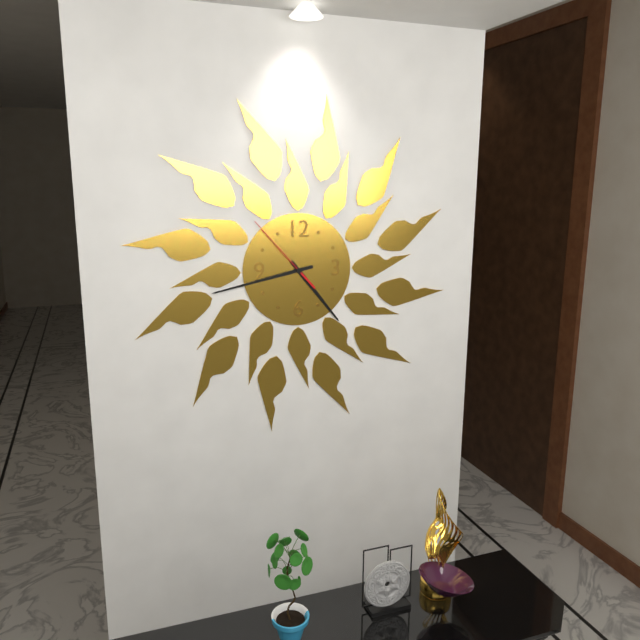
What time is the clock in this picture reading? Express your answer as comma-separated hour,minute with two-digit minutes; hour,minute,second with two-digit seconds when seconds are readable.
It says 4,43,53
